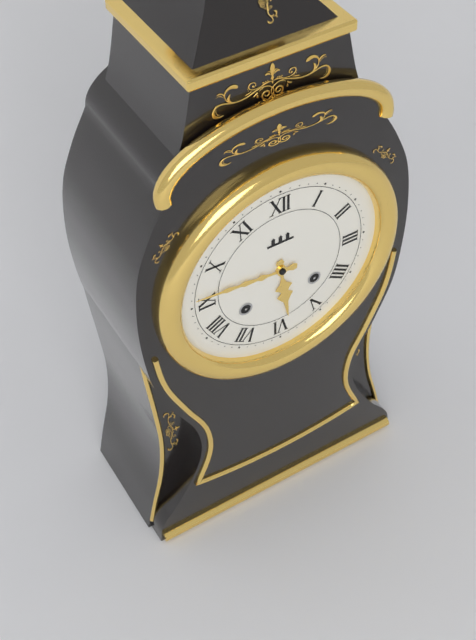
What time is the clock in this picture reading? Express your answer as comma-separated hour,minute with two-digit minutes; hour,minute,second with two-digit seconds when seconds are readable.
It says 5,46
